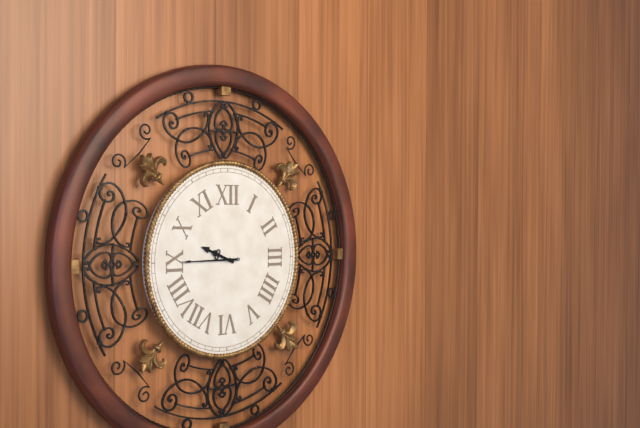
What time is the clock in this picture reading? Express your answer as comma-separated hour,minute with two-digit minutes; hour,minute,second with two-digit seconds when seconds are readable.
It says 9,45
